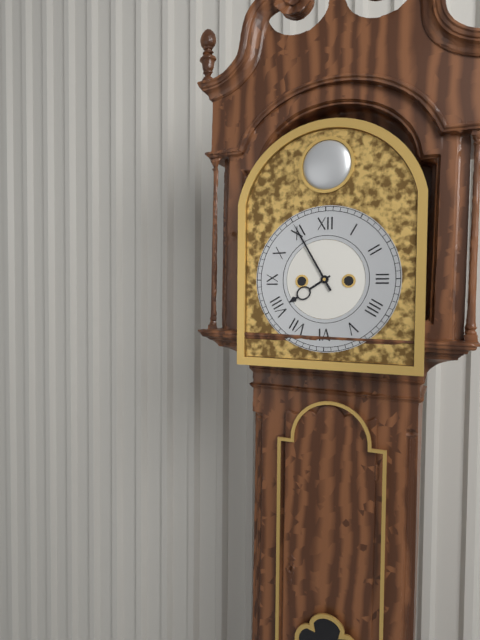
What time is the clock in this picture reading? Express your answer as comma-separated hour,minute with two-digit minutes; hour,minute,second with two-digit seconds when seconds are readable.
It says 7,55
